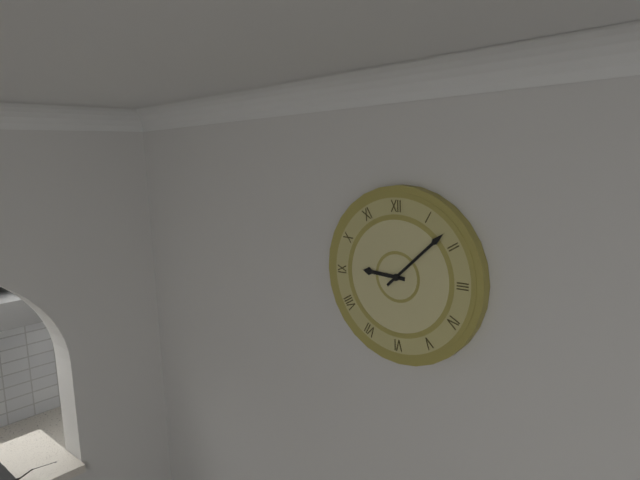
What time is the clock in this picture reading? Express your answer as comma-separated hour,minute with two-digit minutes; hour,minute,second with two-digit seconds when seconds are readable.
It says 9,08
